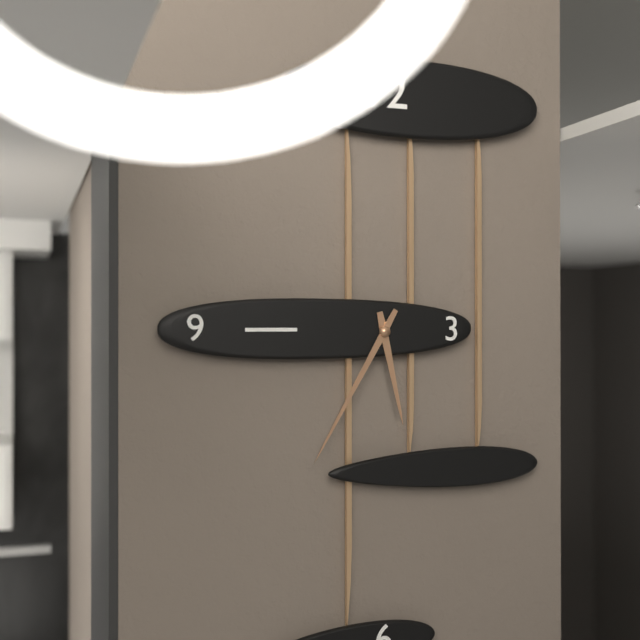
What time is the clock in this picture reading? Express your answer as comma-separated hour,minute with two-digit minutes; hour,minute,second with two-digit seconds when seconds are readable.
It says 5,35
